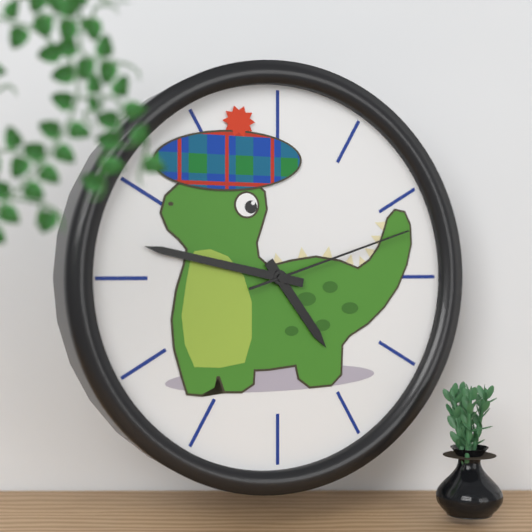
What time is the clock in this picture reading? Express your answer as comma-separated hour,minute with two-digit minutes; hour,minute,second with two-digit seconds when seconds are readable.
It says 4,47,12
